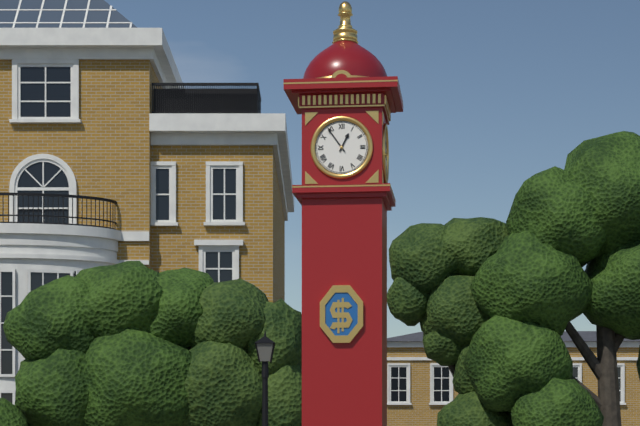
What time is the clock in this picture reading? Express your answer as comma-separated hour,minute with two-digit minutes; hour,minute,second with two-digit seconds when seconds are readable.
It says 12,54
